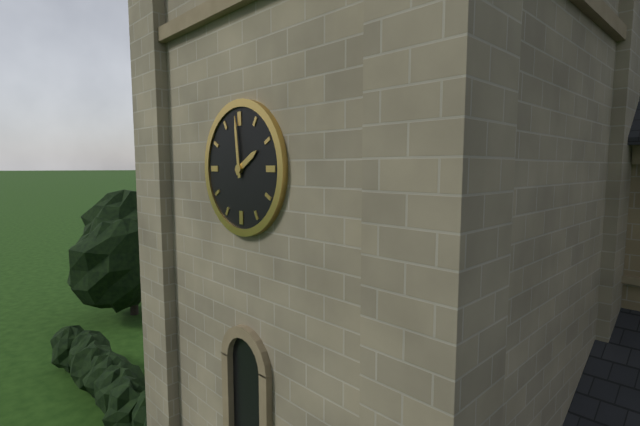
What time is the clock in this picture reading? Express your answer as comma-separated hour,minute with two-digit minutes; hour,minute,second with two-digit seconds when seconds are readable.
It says 1,59
